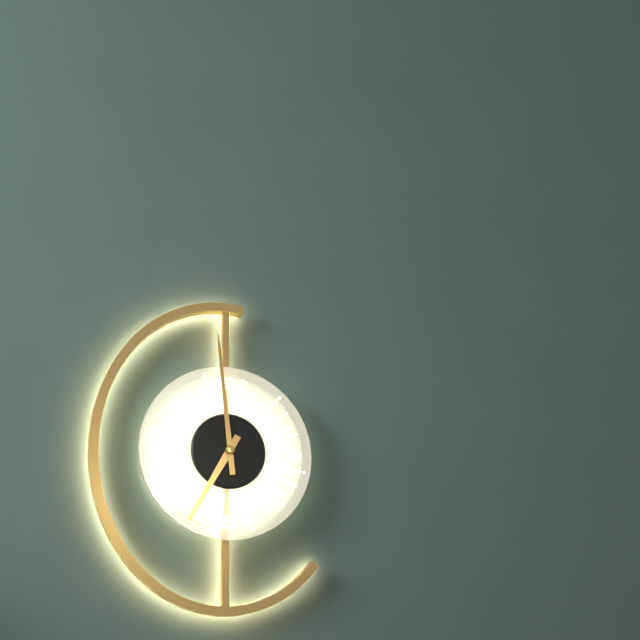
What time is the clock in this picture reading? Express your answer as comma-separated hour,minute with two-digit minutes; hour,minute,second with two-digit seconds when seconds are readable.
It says 6,59
